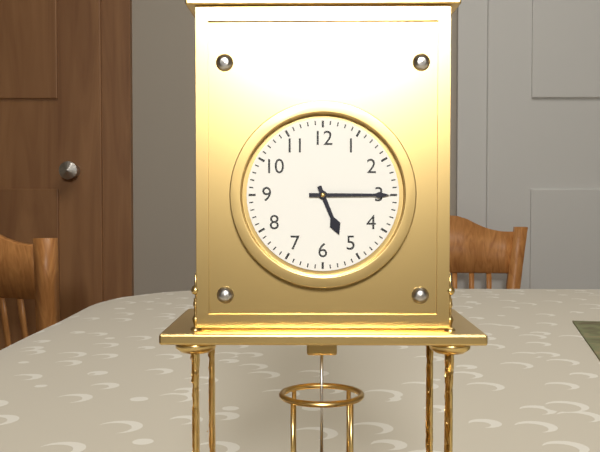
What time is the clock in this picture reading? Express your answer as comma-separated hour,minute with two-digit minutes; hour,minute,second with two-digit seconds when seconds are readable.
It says 5,15
